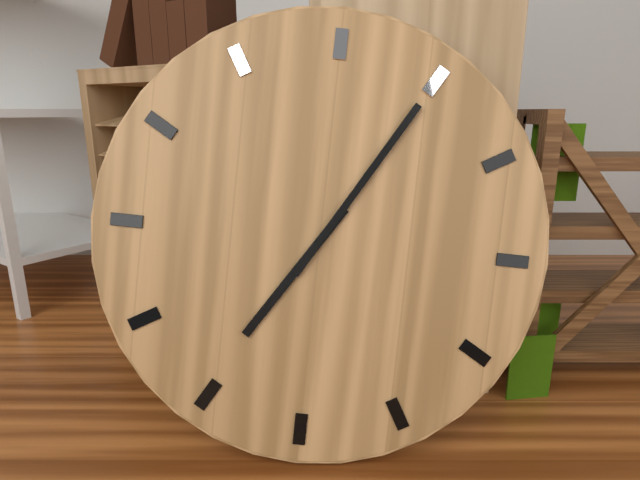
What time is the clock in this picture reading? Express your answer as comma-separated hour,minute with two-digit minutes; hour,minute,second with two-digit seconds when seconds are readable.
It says 7,05
